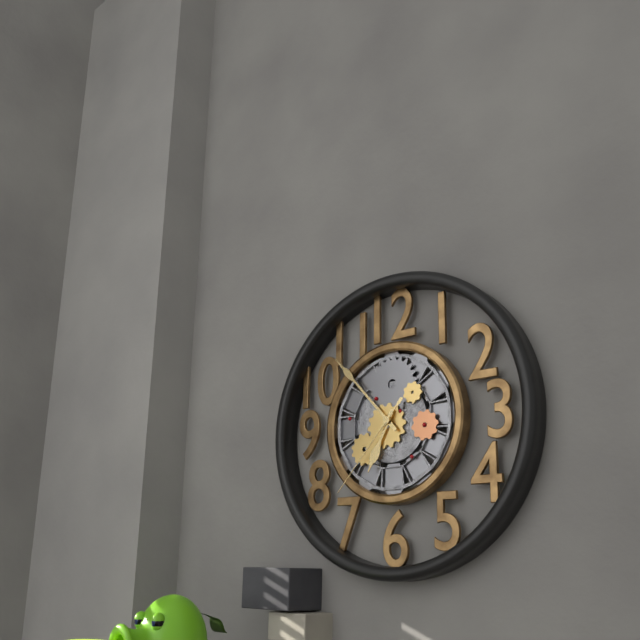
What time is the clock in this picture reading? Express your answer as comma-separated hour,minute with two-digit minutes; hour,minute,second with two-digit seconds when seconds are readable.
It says 6,53,37
